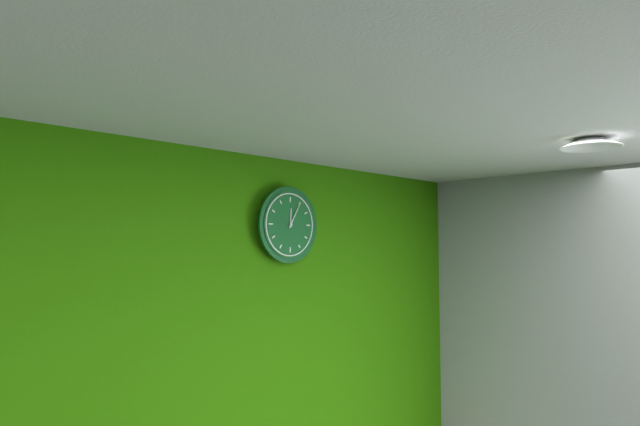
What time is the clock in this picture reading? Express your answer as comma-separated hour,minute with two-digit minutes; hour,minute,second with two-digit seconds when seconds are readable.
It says 12,05
